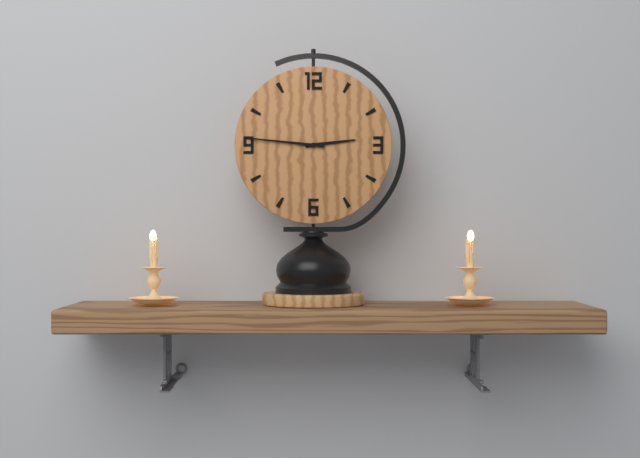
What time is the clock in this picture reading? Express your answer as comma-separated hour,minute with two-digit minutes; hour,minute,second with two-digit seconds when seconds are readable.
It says 2,46
